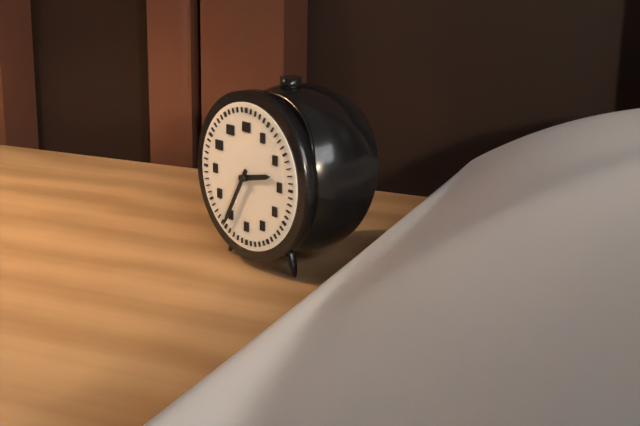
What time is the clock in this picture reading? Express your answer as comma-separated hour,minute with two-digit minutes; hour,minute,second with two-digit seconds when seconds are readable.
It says 2,35
